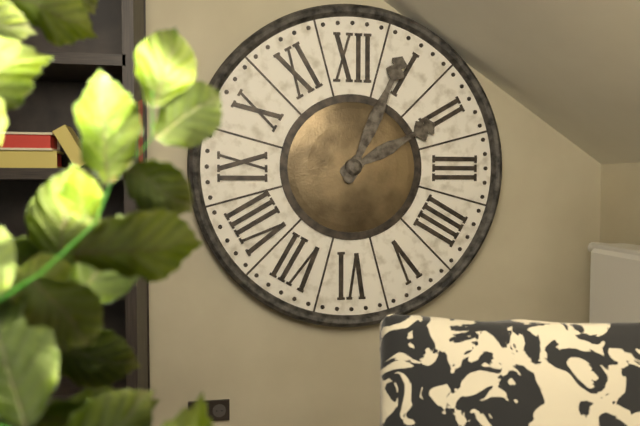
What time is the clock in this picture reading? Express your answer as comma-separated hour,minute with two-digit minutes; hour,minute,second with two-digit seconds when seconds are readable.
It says 2,04
